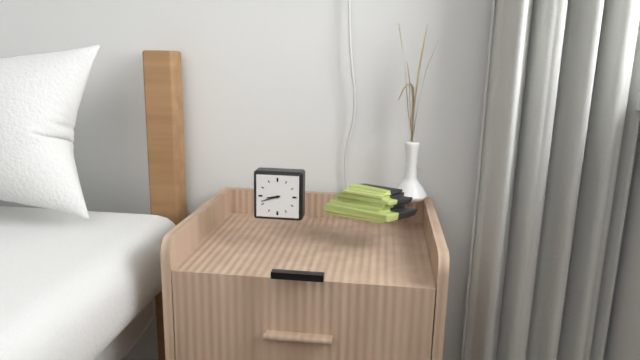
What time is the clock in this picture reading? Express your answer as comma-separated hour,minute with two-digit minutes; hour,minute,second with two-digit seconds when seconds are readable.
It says 8,42
